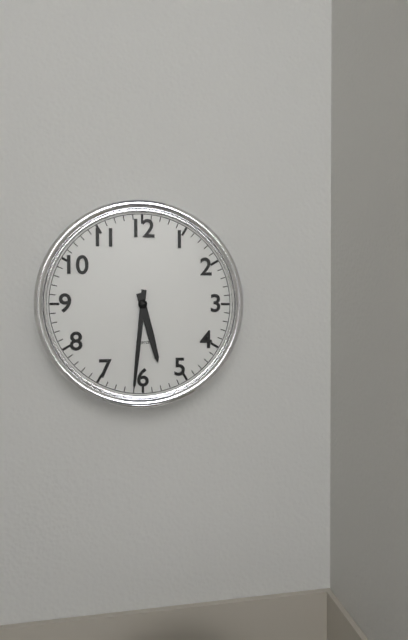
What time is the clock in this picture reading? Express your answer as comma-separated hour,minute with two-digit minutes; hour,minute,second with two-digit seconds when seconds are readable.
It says 5,31
